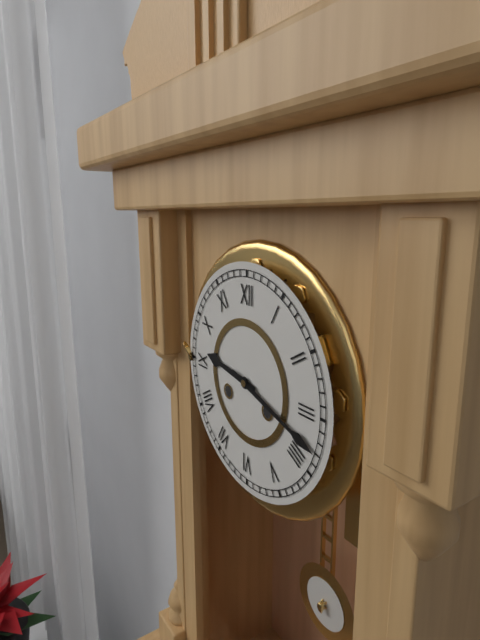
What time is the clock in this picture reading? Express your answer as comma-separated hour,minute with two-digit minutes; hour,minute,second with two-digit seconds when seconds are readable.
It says 9,18
